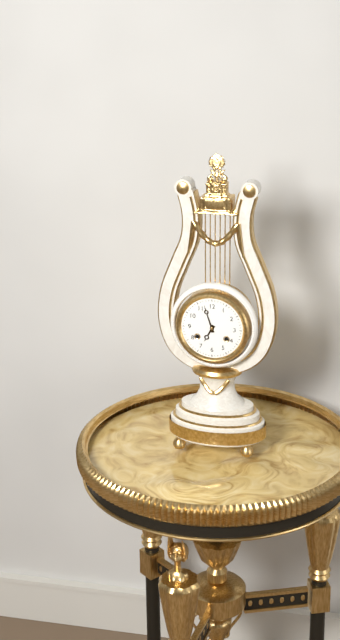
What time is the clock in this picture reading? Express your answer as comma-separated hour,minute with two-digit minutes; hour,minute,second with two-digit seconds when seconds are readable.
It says 6,57
